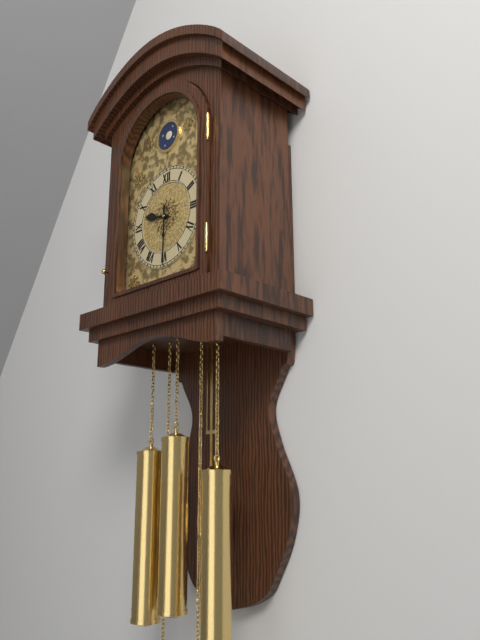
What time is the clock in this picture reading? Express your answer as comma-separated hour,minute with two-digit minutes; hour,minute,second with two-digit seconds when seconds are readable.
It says 9,30
